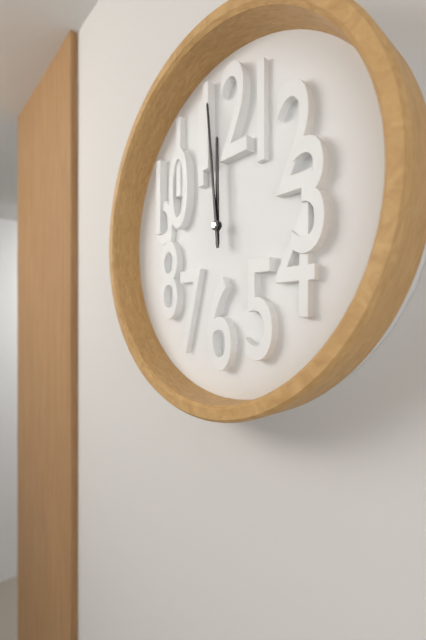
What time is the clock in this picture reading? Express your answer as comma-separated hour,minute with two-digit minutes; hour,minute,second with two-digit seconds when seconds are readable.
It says 11,59
